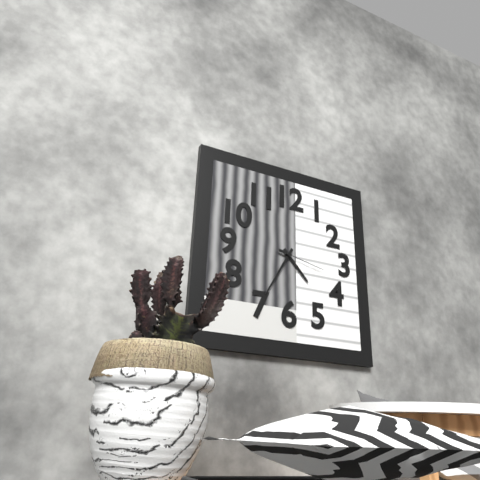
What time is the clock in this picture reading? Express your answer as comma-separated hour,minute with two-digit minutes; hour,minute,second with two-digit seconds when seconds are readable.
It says 4,35
